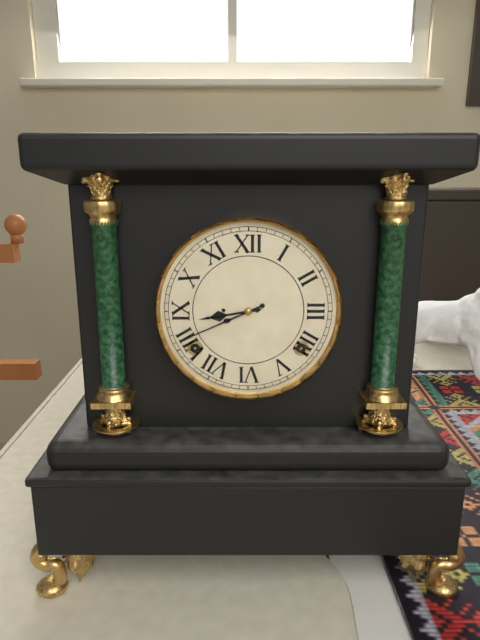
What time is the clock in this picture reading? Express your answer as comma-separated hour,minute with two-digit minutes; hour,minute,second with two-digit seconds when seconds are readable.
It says 8,41
